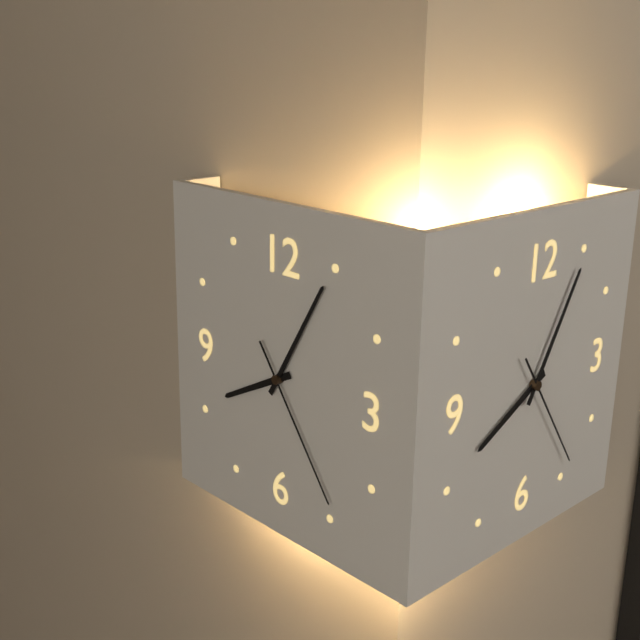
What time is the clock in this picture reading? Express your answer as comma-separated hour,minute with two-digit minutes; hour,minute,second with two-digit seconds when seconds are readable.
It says 8,05,24
